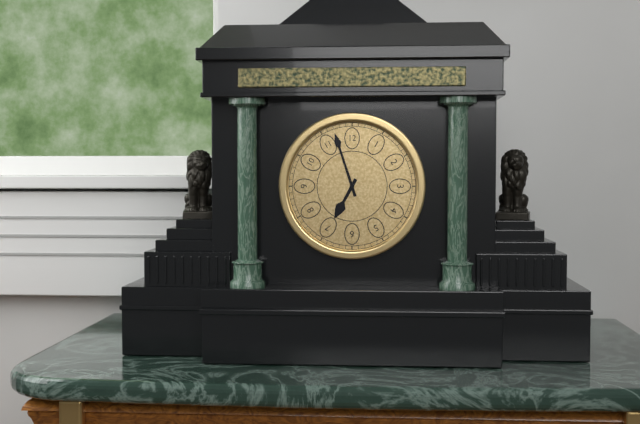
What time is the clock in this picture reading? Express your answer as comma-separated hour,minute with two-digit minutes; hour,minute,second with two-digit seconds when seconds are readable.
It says 6,57
